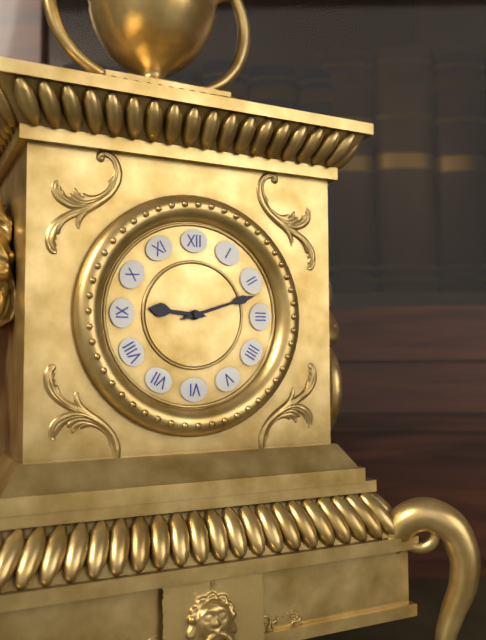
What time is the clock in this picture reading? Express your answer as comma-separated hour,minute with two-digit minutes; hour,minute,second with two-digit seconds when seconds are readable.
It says 9,12
